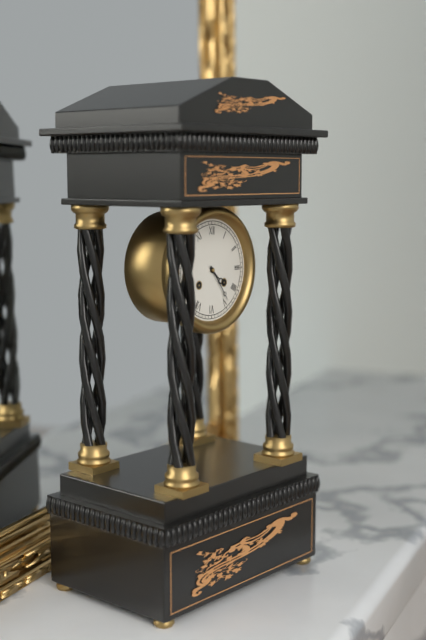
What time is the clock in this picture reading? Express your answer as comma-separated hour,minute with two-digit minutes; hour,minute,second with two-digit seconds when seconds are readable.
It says 4,24
